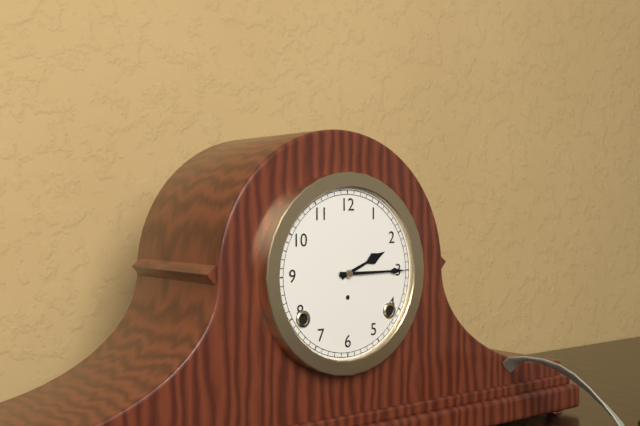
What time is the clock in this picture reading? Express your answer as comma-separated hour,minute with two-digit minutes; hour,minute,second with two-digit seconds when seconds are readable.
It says 2,15
